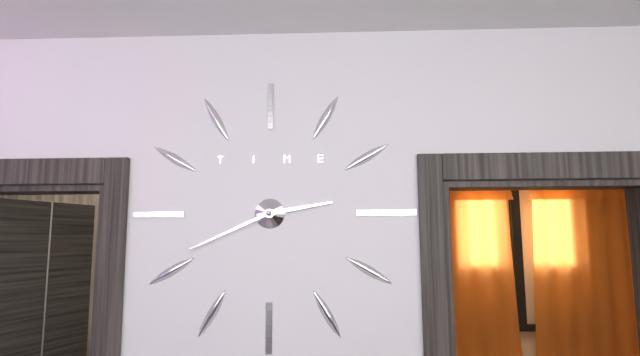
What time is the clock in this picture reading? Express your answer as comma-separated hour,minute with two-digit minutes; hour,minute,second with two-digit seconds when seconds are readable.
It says 2,41
